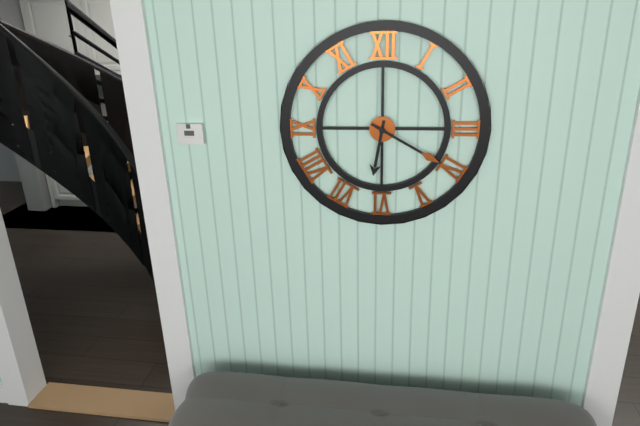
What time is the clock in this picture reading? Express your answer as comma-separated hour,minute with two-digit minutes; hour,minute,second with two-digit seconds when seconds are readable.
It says 6,20
